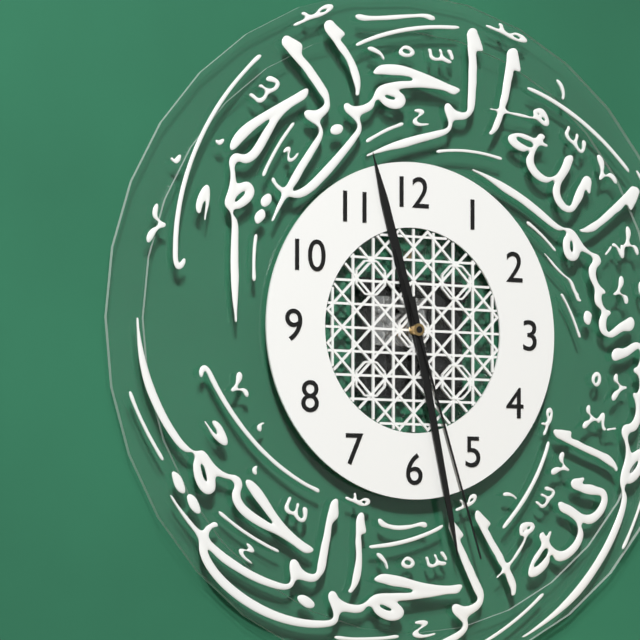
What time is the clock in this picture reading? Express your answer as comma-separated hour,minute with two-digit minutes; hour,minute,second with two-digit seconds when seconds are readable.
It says 11,28,27
